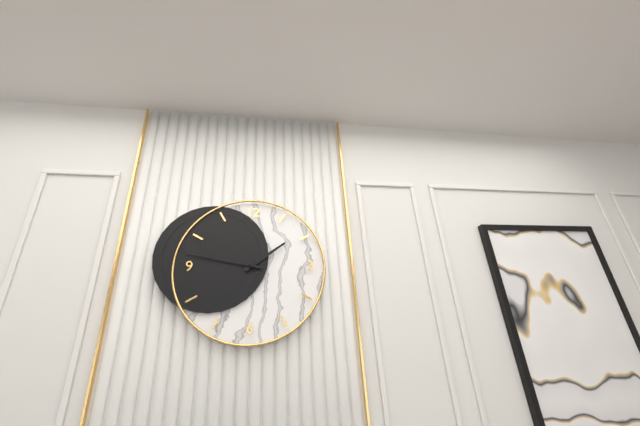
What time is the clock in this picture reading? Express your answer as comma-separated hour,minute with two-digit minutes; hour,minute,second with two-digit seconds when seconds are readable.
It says 1,47
